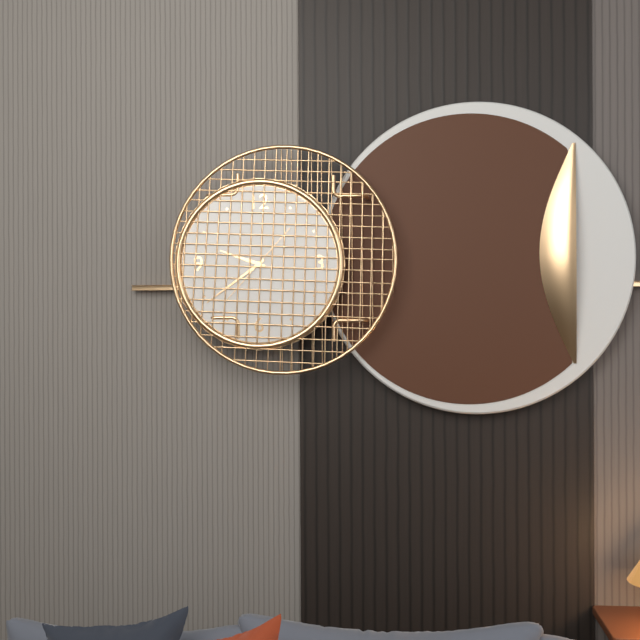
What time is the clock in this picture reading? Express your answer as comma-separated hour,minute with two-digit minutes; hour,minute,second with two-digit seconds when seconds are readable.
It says 9,39,37
